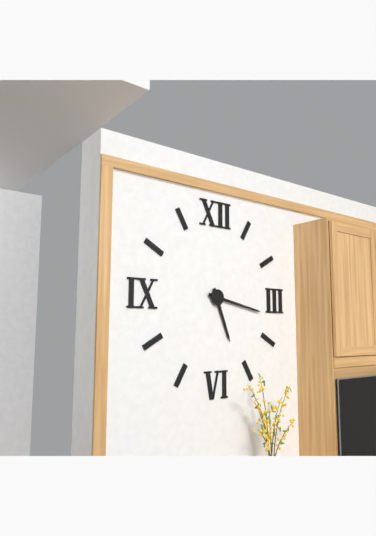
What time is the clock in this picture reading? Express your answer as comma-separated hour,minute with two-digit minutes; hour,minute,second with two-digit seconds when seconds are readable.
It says 5,17
